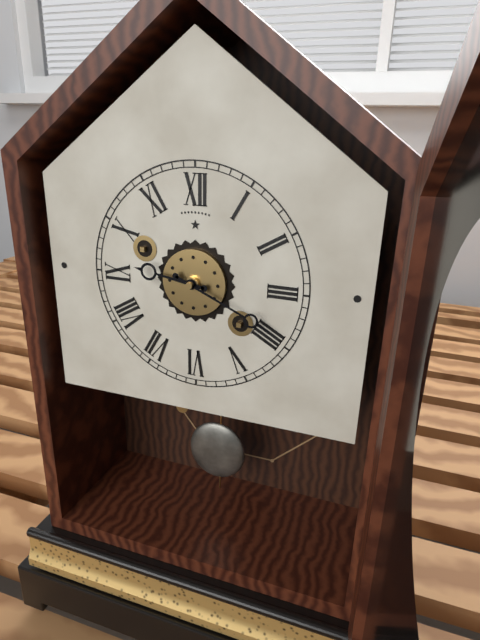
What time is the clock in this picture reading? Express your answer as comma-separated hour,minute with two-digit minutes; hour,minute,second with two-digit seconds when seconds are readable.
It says 9,19
